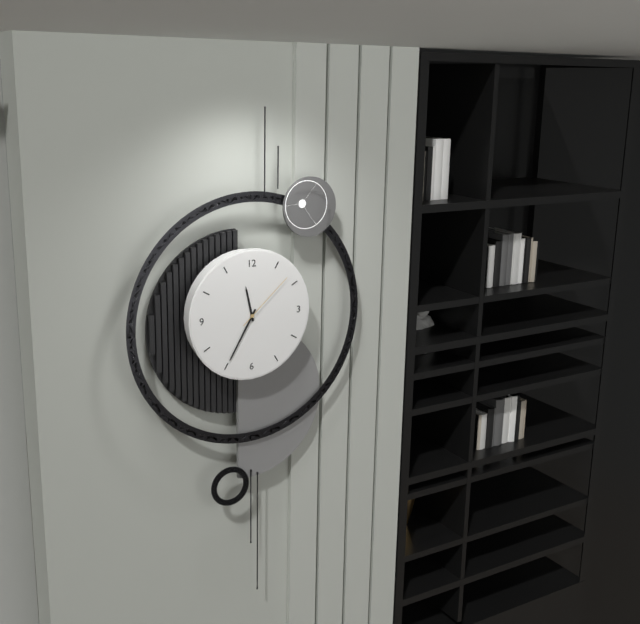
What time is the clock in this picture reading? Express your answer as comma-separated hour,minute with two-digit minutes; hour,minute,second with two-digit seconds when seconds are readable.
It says 11,35,08
